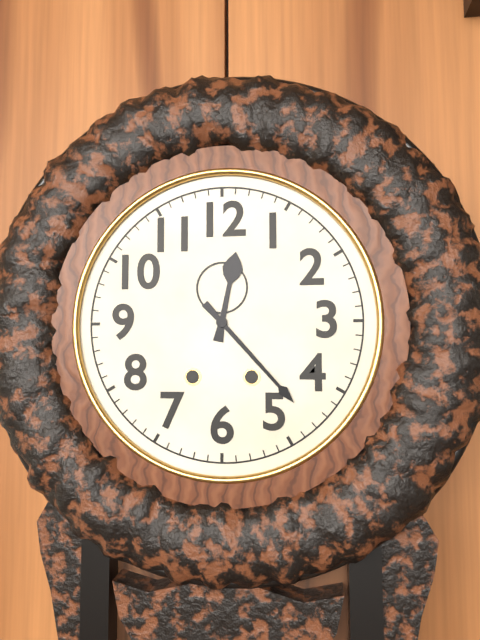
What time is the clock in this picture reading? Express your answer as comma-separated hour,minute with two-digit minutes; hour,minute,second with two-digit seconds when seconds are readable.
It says 12,23
